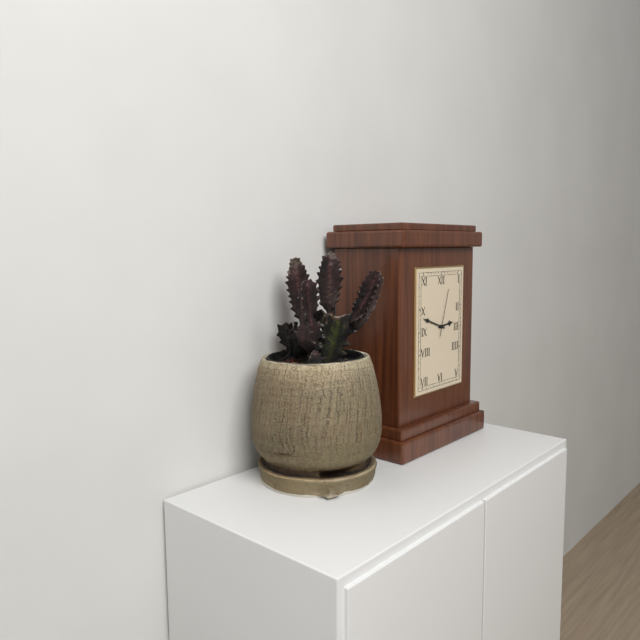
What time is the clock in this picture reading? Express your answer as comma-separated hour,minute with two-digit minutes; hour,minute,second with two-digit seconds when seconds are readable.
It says 2,48,03
